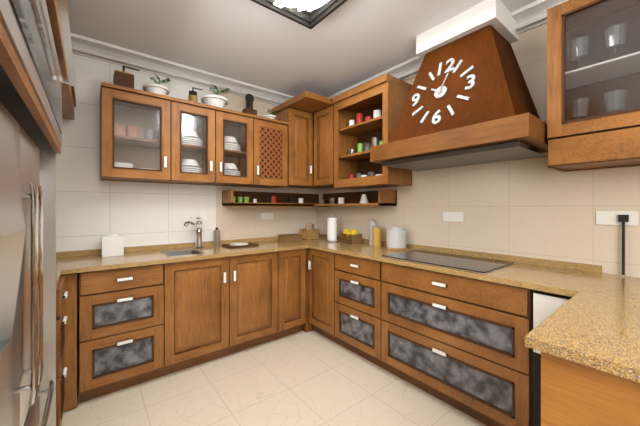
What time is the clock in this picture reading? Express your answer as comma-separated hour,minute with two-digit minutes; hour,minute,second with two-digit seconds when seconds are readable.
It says 10,03
